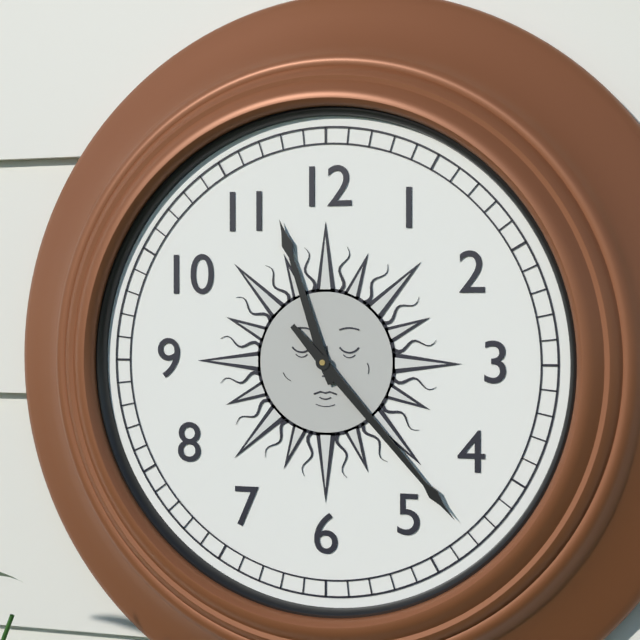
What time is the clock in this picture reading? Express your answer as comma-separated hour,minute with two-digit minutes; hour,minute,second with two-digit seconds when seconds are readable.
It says 11,23
